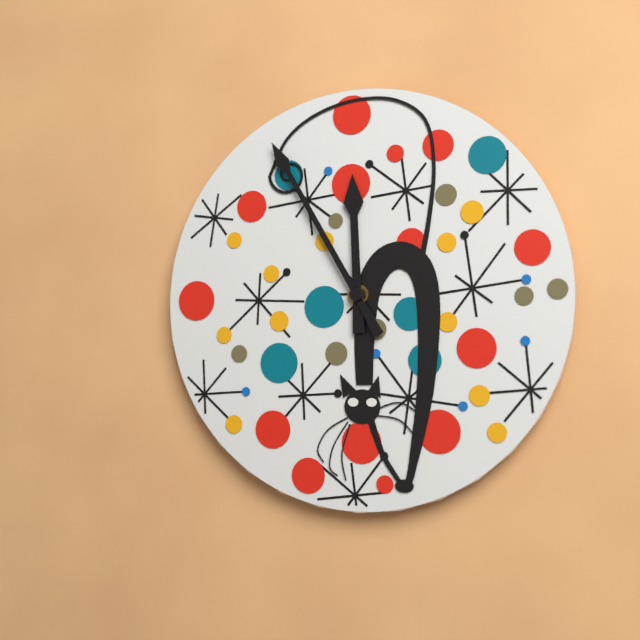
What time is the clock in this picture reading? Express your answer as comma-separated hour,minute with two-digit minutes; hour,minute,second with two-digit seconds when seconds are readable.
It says 11,55
